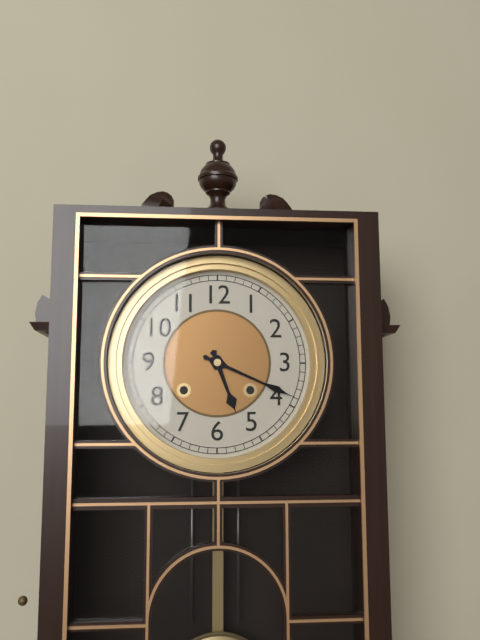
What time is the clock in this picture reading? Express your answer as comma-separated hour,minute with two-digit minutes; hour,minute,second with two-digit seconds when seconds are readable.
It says 5,19
